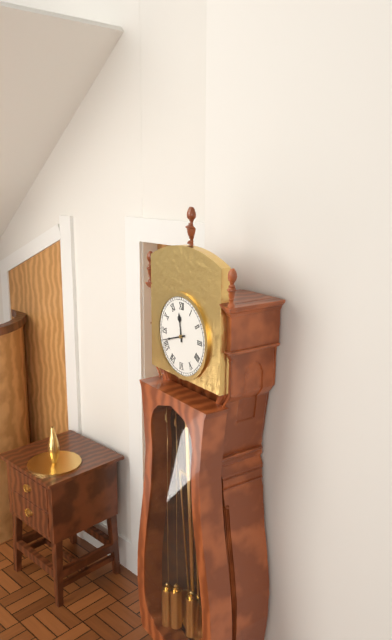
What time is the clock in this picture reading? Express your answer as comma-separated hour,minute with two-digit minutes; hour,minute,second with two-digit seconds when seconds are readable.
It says 11,42
